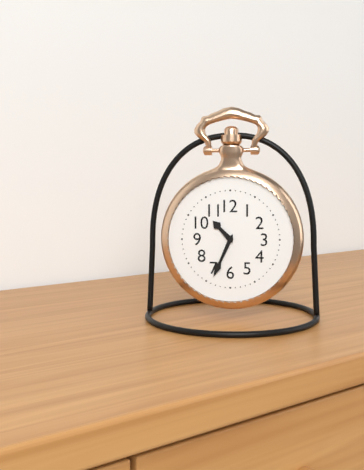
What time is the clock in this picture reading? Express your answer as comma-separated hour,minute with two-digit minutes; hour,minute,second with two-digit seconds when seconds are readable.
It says 10,34
